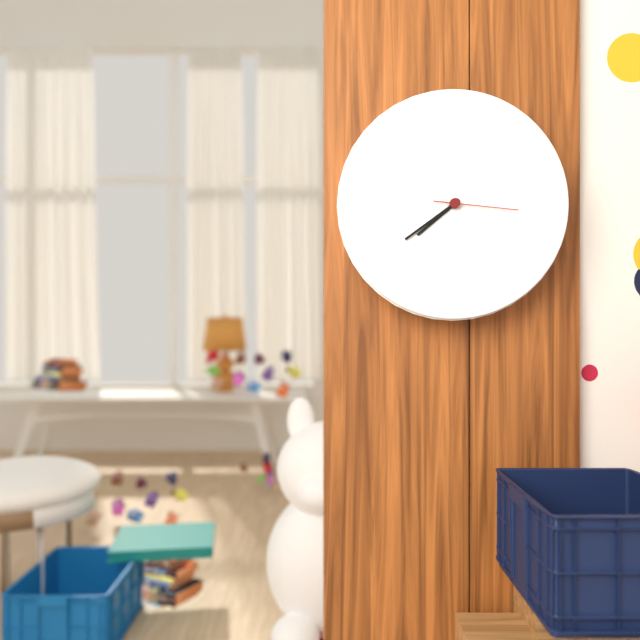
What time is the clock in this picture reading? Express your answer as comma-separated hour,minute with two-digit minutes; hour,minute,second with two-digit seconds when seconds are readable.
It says 7,39,16
